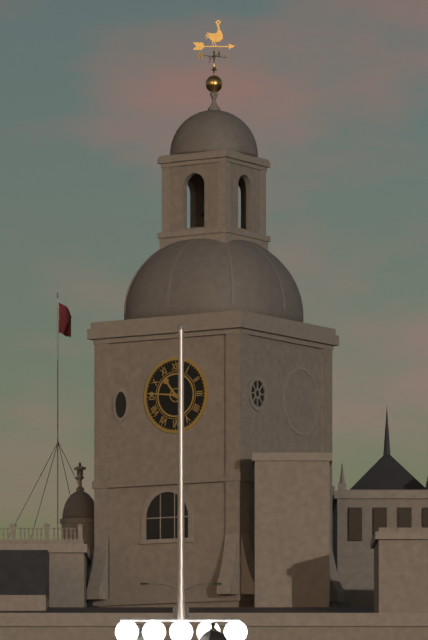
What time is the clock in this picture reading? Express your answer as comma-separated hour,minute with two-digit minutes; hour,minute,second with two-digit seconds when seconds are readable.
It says 10,46
